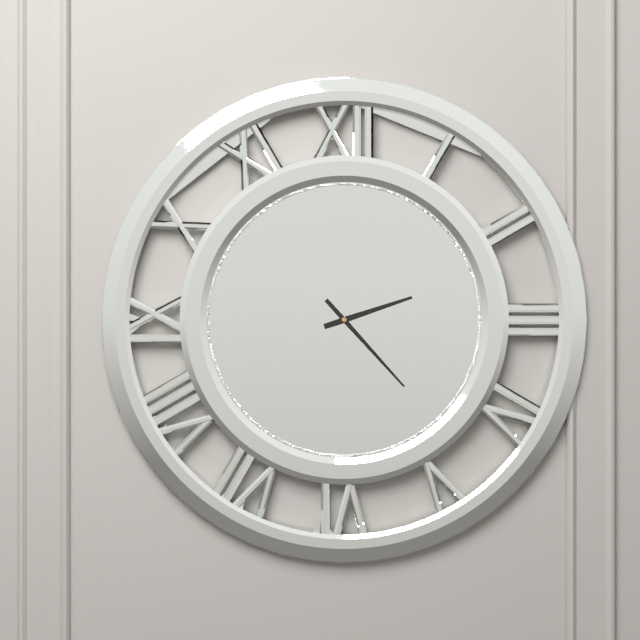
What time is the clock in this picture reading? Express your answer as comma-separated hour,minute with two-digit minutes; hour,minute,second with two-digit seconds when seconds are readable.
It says 2,23
